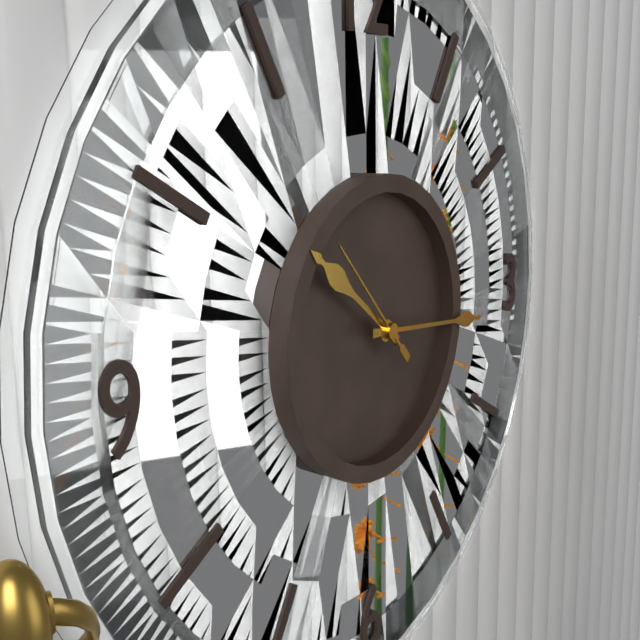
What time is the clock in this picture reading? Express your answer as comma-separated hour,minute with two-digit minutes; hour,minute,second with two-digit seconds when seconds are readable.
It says 10,16,53
